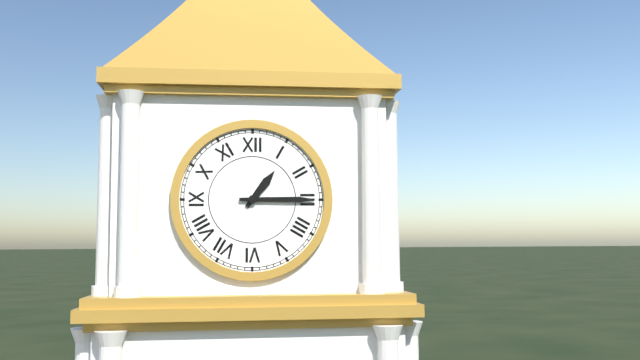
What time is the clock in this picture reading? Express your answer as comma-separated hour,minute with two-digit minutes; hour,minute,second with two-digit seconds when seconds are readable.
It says 1,15
